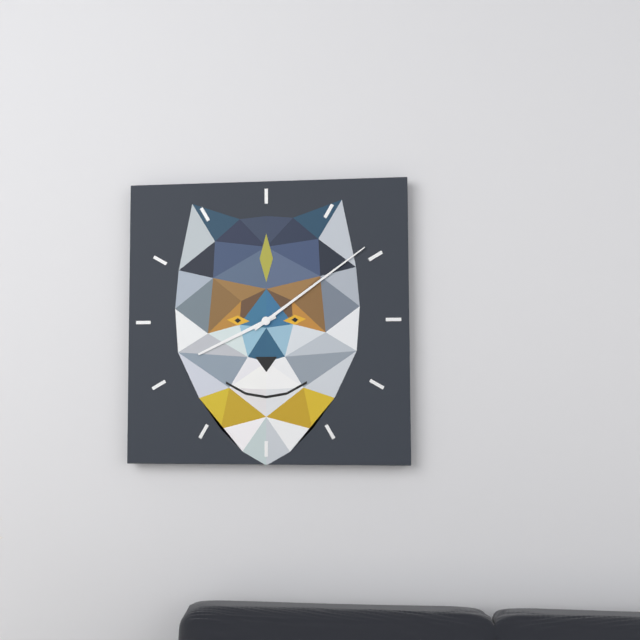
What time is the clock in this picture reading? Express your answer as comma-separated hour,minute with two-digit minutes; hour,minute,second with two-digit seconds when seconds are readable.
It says 8,09
